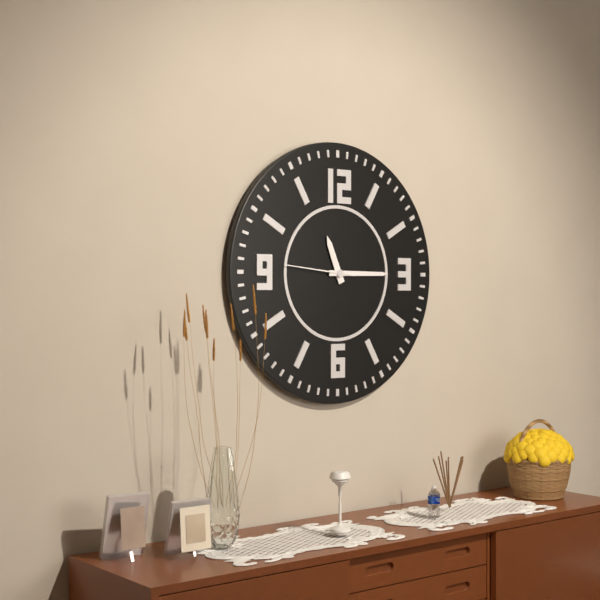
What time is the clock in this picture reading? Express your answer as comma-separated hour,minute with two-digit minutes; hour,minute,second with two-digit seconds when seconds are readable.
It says 11,15,46
